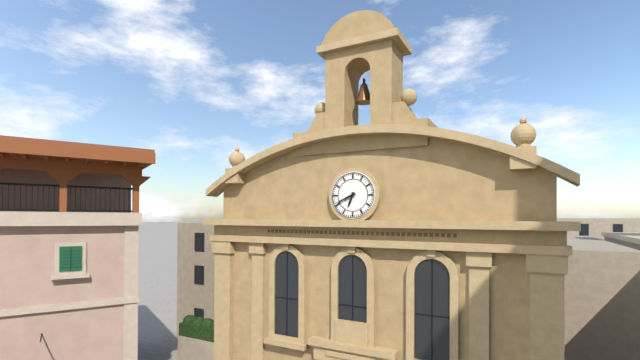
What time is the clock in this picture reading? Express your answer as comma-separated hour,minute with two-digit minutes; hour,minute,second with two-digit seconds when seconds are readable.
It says 6,41
